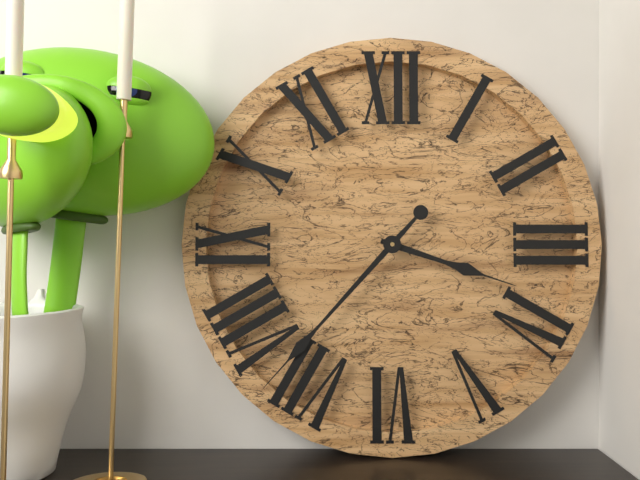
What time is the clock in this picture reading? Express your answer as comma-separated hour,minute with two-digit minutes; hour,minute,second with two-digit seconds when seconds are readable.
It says 3,37
